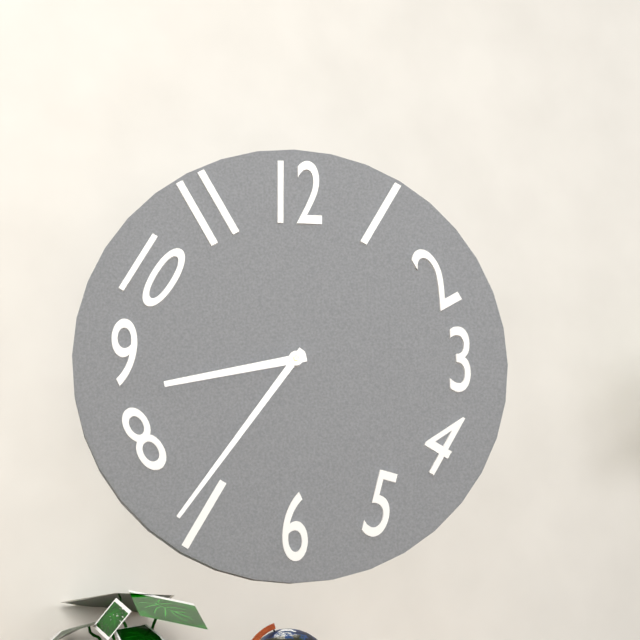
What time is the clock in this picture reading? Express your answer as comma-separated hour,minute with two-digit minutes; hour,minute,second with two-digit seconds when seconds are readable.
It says 8,36
